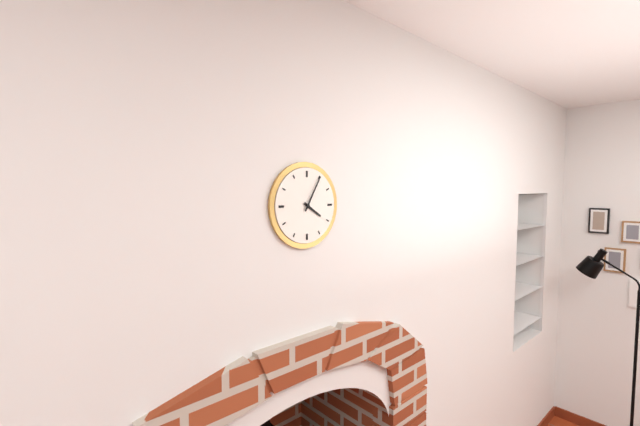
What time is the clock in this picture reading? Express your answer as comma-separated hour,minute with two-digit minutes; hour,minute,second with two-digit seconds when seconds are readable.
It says 4,05
